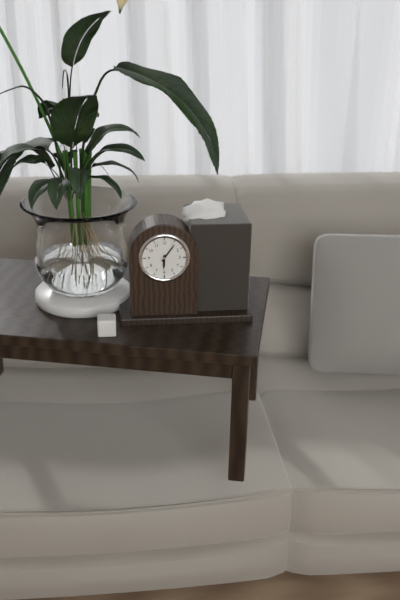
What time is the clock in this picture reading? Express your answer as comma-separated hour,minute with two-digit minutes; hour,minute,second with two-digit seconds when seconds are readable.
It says 6,06
